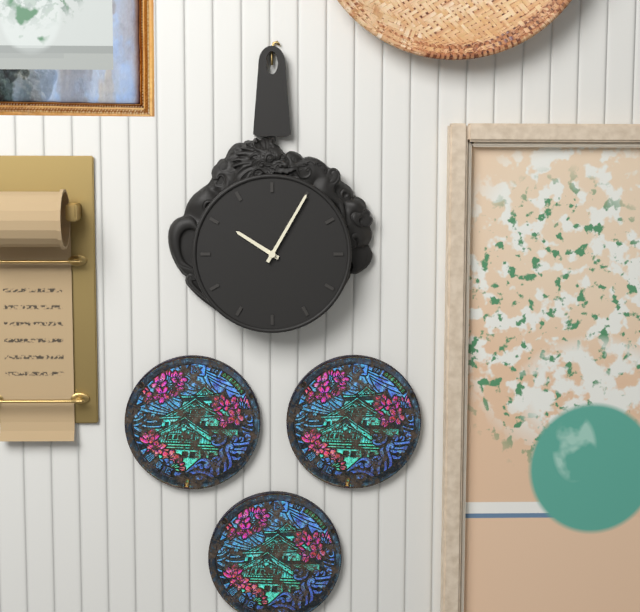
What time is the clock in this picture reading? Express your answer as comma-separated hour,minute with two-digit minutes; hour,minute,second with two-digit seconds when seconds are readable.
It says 10,05
